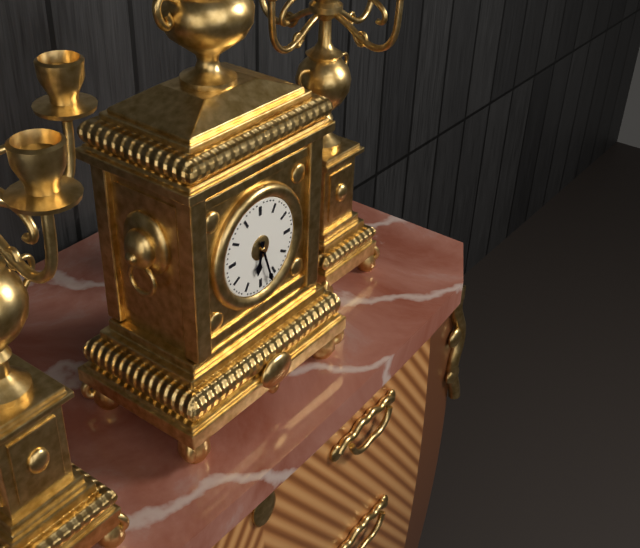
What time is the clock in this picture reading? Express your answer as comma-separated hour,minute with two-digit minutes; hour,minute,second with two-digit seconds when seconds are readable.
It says 6,27
